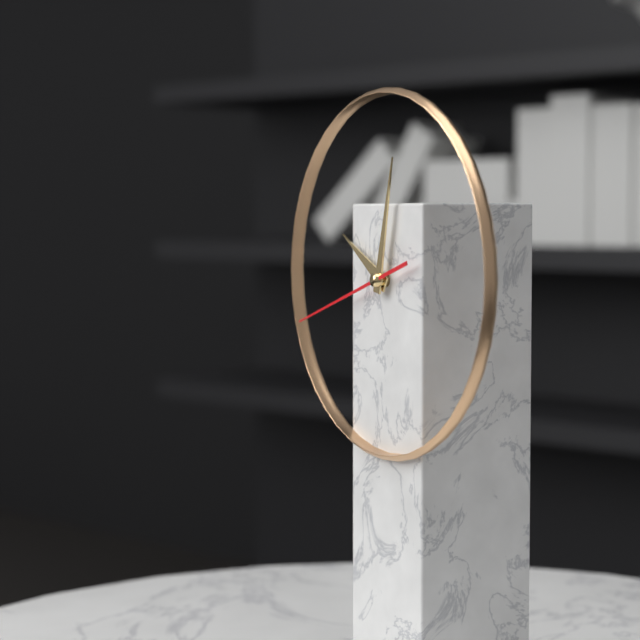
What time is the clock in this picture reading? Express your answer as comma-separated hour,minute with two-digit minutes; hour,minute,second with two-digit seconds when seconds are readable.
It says 10,02,42
